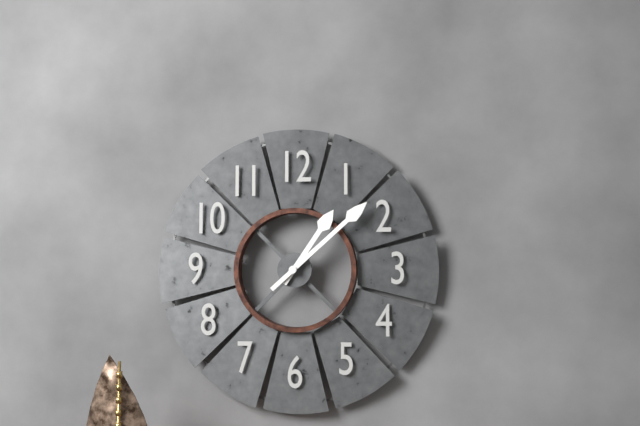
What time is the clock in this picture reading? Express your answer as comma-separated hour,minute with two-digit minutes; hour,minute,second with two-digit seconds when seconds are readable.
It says 1,08
